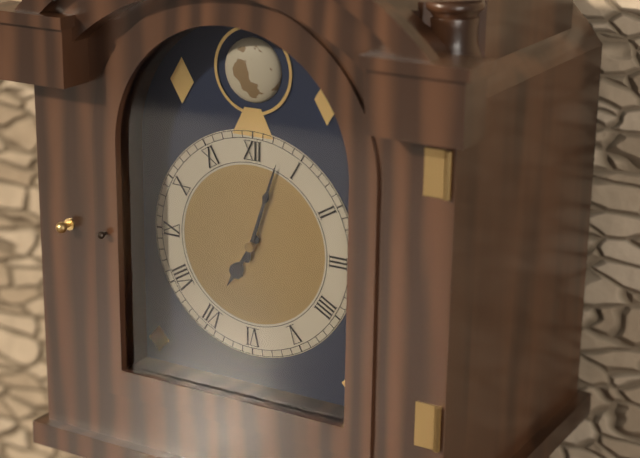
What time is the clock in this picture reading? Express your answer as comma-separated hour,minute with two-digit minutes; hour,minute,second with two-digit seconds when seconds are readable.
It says 7,03
